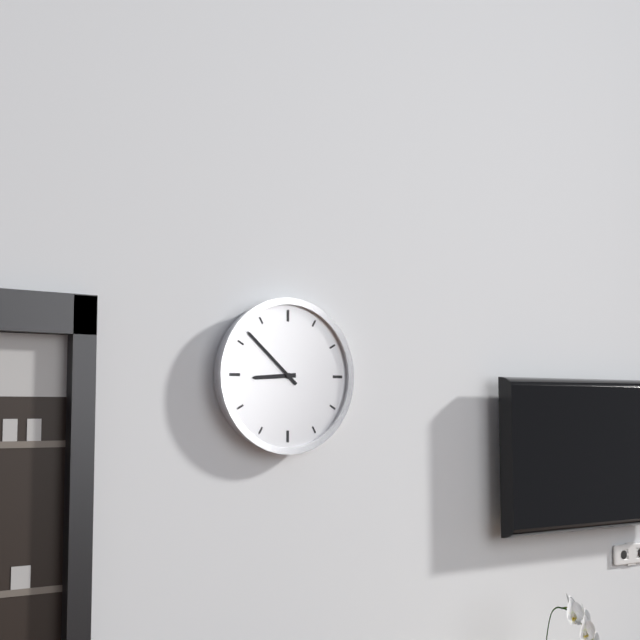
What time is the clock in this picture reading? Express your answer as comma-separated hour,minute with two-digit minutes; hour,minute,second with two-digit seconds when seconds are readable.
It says 8,52
